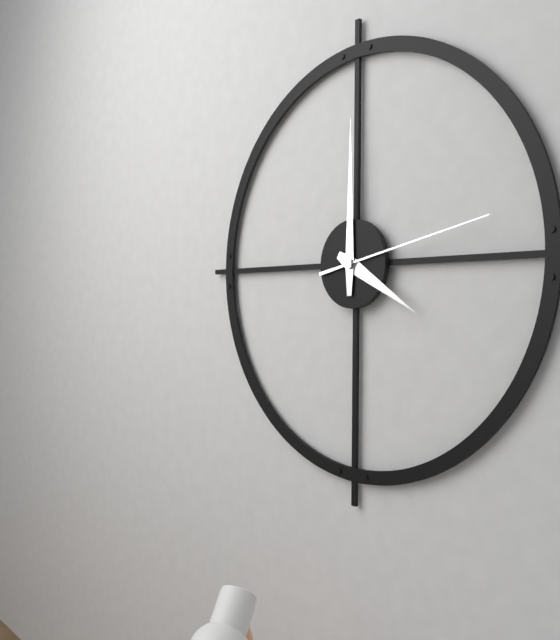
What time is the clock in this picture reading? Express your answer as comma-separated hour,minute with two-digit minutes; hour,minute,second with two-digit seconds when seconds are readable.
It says 4,00,13
